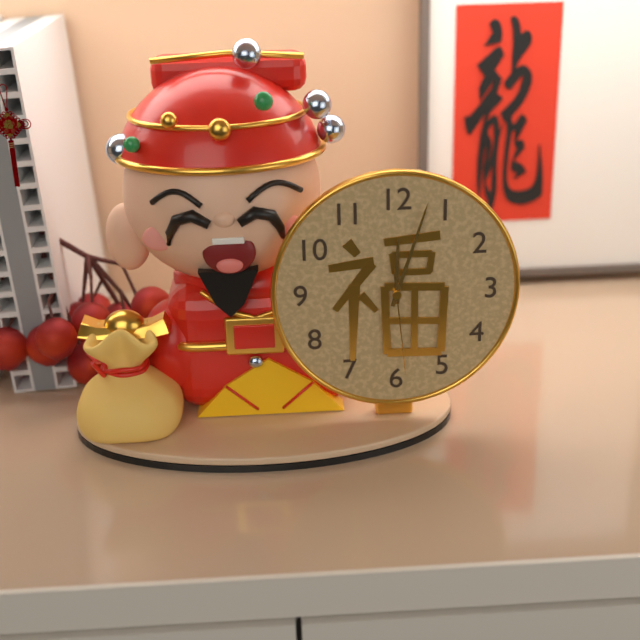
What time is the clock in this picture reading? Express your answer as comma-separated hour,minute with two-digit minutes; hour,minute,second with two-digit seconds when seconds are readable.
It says 12,03,29
